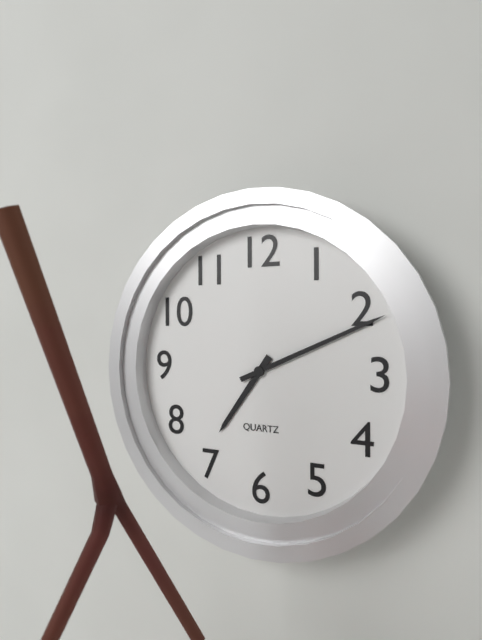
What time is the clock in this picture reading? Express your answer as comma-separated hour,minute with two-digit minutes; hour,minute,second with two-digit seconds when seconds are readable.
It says 7,11
